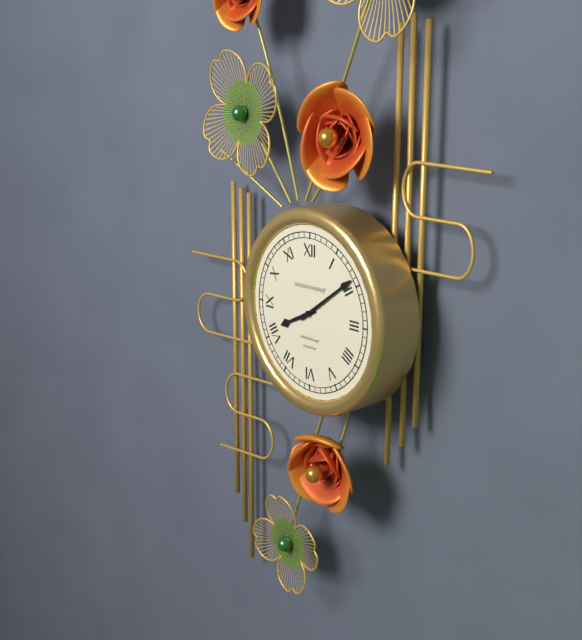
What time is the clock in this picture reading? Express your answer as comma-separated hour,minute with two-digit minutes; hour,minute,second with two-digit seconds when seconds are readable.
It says 8,09
